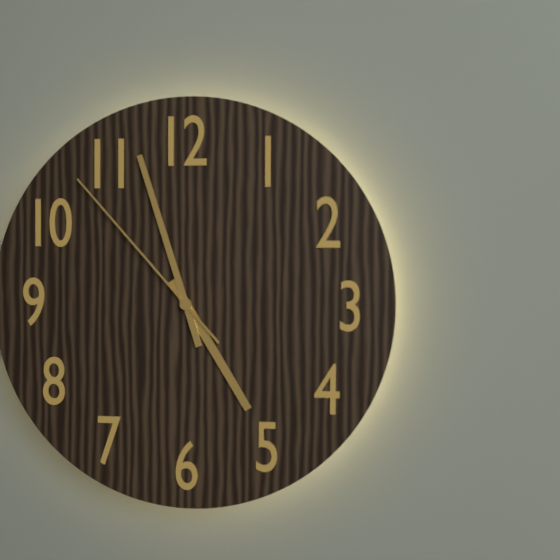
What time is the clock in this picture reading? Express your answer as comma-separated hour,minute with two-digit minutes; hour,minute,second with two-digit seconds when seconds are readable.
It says 4,57,53
